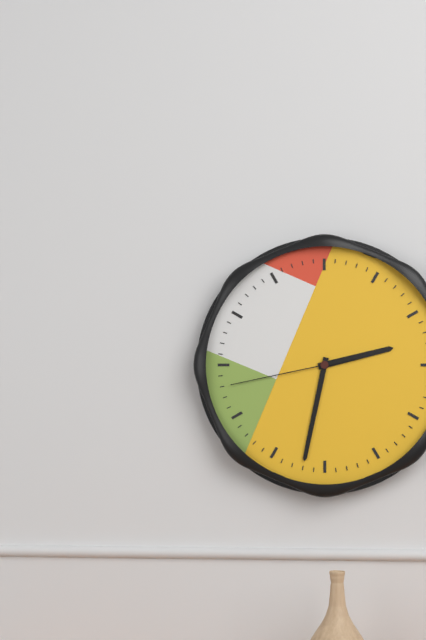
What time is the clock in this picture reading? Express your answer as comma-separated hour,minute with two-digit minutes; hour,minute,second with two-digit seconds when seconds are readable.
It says 2,32,43
